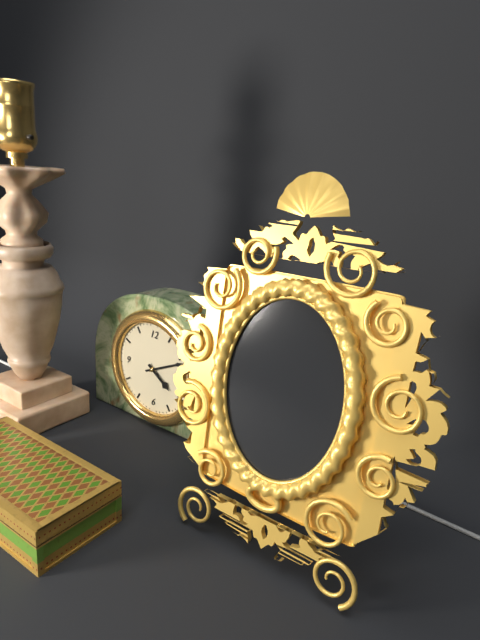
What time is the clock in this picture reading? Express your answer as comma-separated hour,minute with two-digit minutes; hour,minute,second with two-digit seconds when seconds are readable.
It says 4,11
